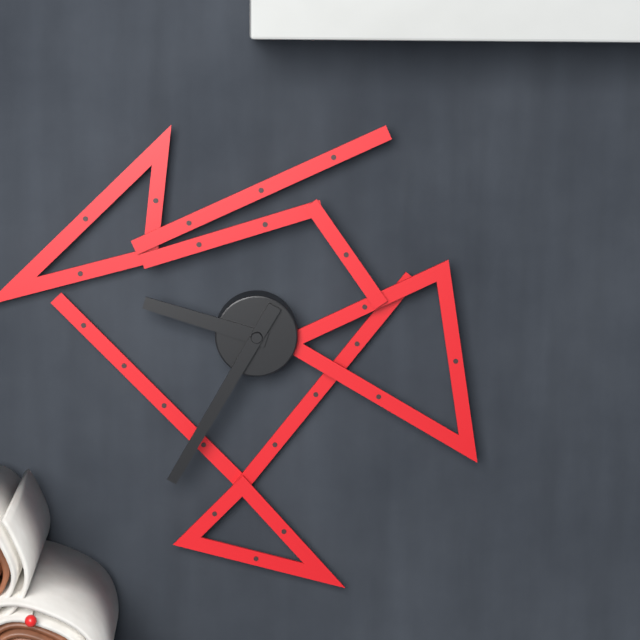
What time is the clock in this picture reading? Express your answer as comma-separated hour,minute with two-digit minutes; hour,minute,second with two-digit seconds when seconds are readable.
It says 9,35
